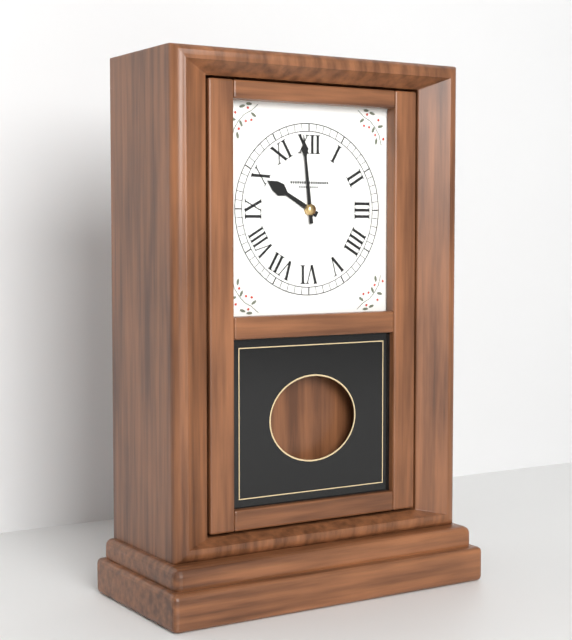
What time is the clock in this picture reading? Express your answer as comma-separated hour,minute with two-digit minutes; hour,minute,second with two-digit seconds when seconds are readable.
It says 9,59
